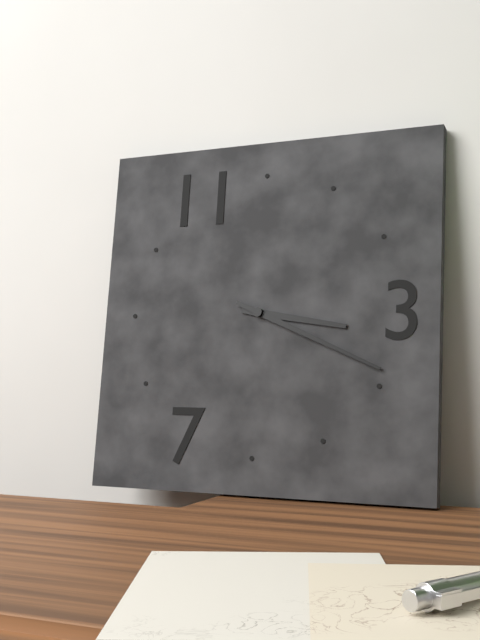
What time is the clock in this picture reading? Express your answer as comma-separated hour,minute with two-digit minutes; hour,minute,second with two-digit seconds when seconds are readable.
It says 3,19
